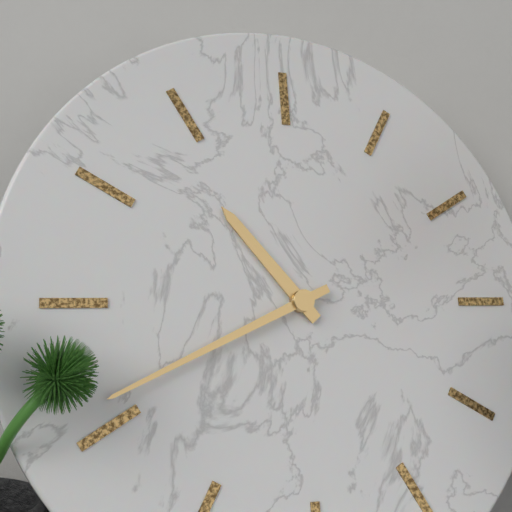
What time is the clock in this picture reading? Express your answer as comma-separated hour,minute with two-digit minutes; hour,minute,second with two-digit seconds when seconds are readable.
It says 10,41
